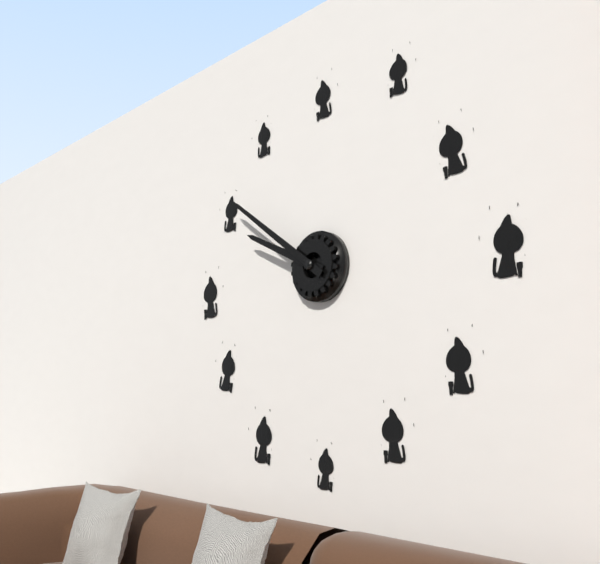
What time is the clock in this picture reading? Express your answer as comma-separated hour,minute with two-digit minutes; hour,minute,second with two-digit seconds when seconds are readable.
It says 9,51
